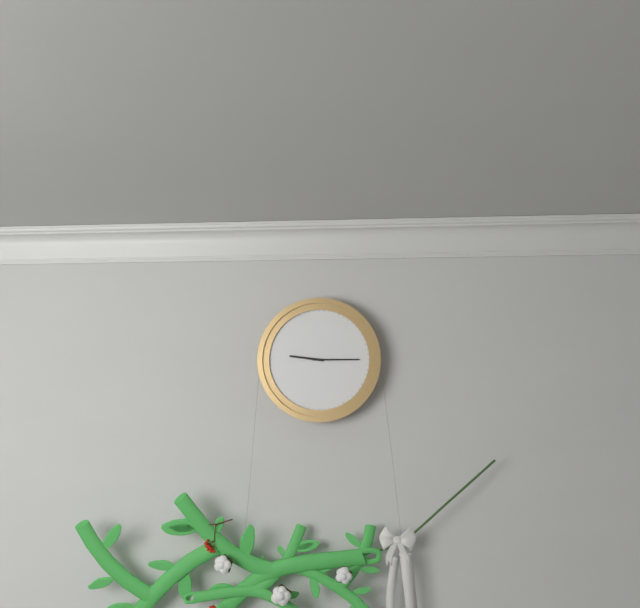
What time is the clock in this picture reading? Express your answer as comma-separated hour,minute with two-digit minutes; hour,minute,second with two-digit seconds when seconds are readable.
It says 9,15
